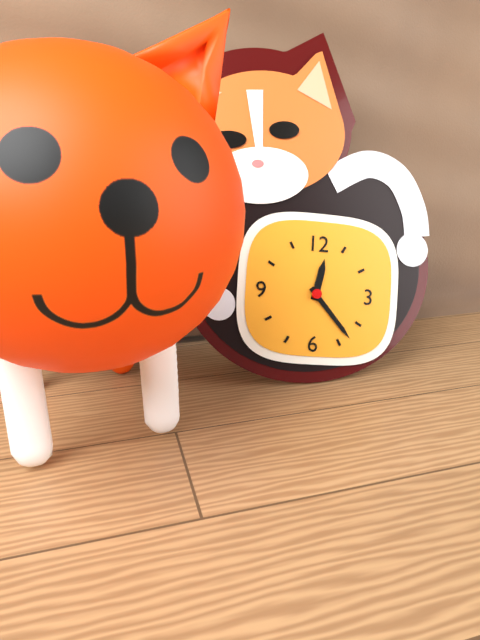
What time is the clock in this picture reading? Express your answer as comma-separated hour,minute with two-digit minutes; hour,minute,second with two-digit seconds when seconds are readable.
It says 12,23
